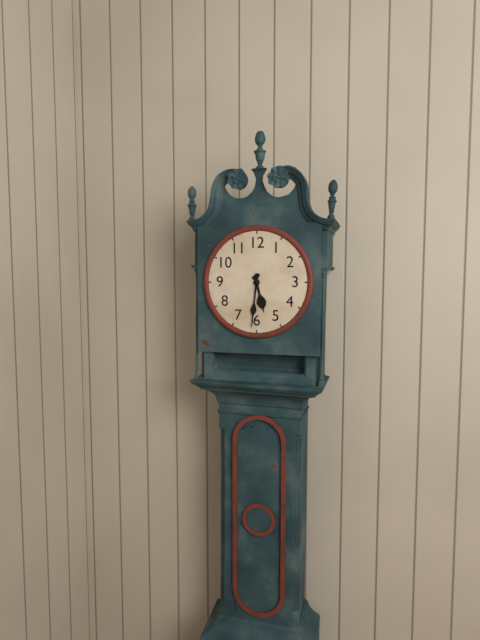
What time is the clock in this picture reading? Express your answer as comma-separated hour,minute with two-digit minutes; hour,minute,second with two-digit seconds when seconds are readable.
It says 5,31
